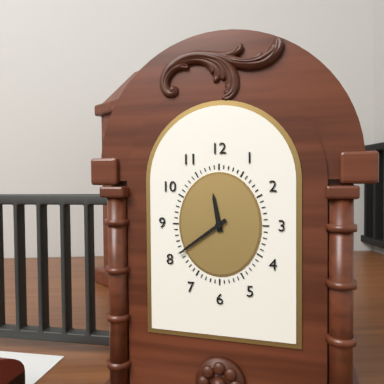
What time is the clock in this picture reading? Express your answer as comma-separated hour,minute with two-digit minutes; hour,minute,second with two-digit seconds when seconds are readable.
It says 11,39
